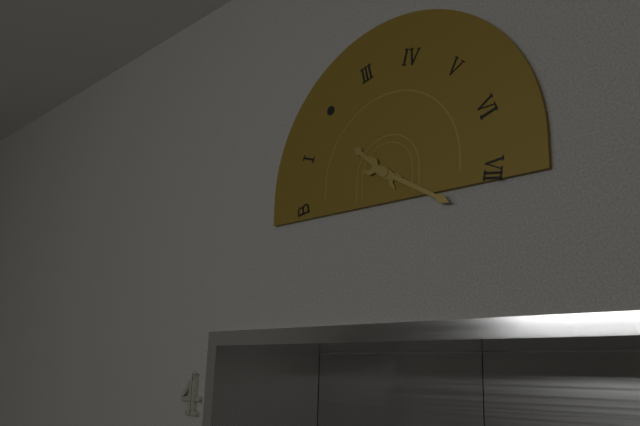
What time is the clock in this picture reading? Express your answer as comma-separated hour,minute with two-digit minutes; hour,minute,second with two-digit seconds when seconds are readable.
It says 10,20
